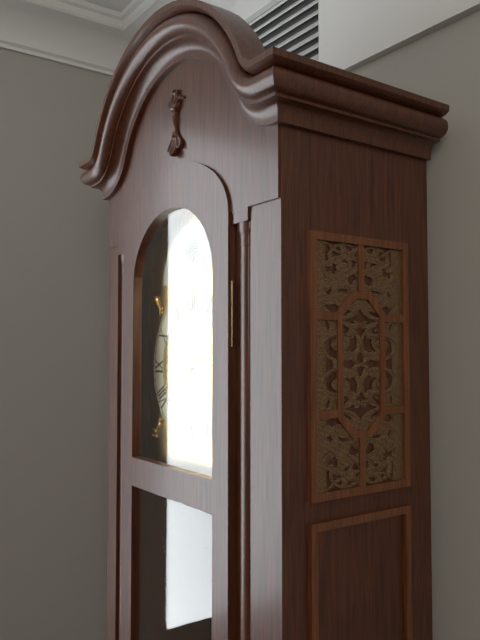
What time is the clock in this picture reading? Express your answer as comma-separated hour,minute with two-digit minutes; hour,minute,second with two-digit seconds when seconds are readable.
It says 2,35
